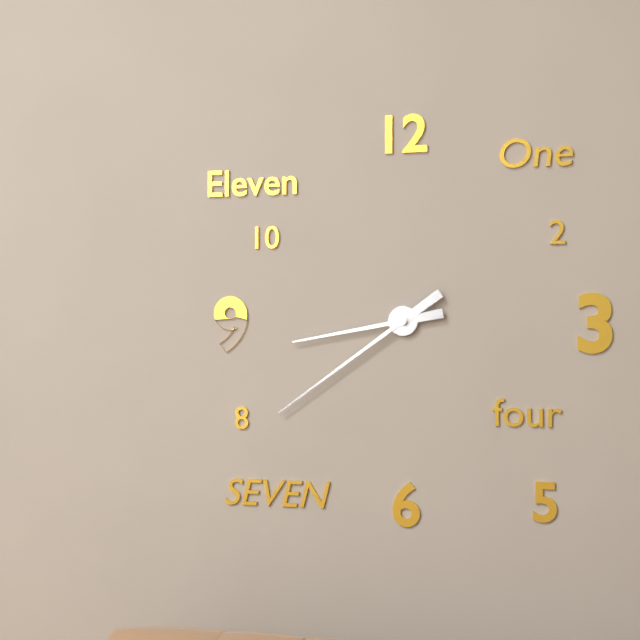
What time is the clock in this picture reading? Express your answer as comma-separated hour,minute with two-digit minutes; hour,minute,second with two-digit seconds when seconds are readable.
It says 8,39
